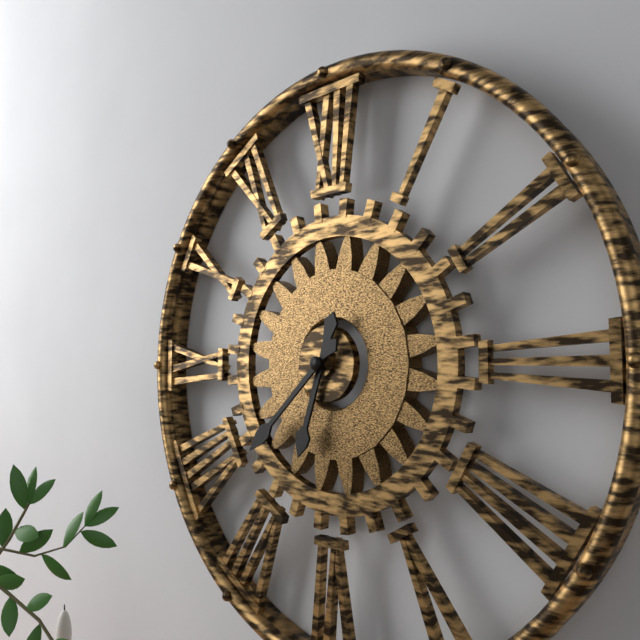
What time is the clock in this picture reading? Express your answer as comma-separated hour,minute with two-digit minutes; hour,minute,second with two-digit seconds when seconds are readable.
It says 6,38
